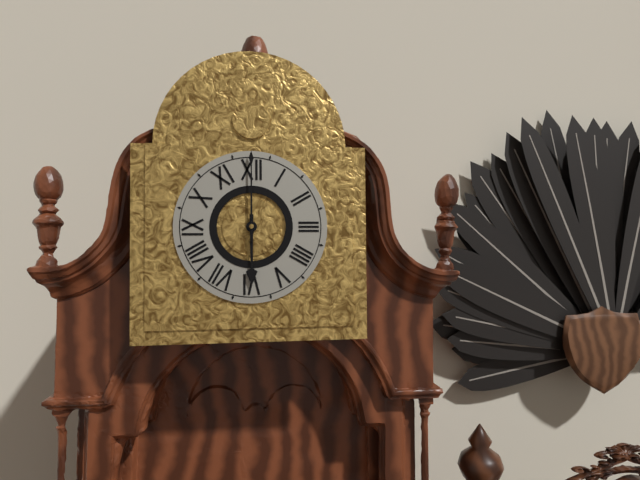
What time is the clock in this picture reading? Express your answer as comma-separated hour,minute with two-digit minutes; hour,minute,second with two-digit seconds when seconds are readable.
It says 6,00
